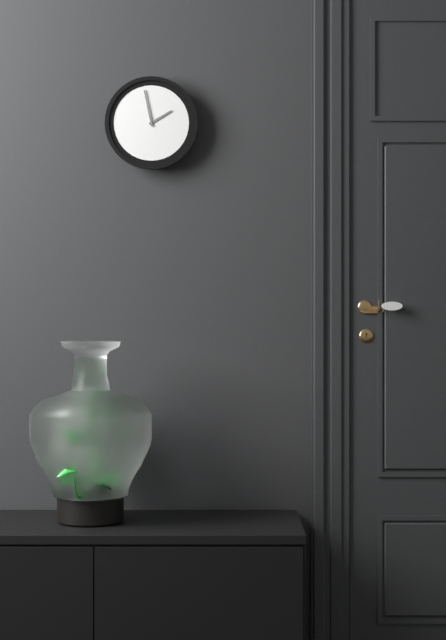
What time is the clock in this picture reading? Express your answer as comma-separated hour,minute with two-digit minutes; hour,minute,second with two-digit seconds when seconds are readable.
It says 1,58
